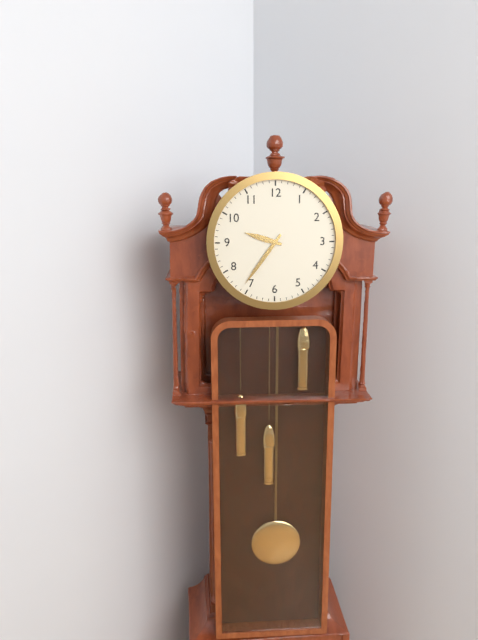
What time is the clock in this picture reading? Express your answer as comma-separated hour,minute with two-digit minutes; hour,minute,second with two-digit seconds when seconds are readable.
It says 9,36
